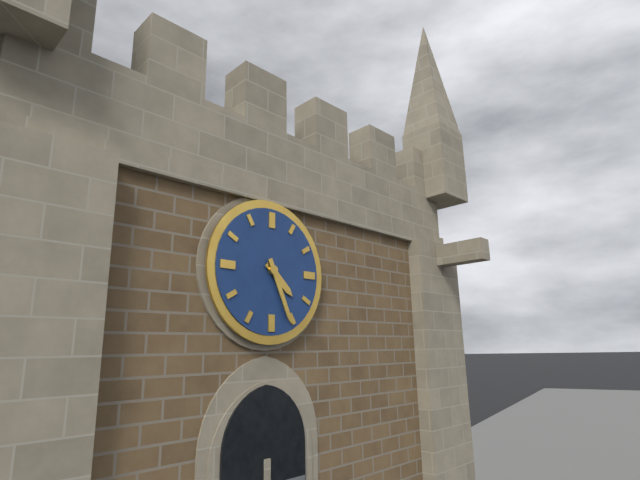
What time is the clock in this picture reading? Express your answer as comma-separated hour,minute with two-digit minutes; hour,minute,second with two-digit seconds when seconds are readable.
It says 4,26
